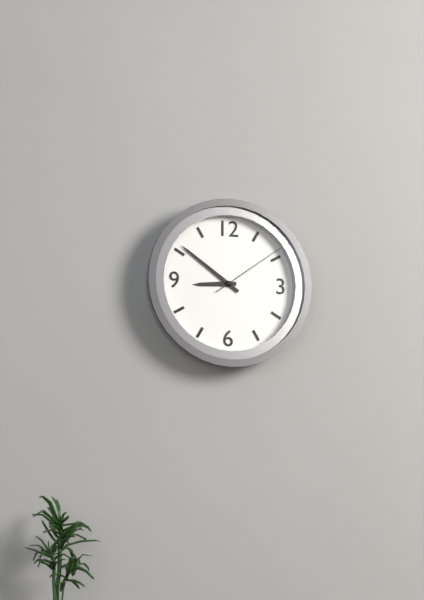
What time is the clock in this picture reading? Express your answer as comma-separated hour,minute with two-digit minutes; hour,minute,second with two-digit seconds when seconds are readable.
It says 8,51,09
